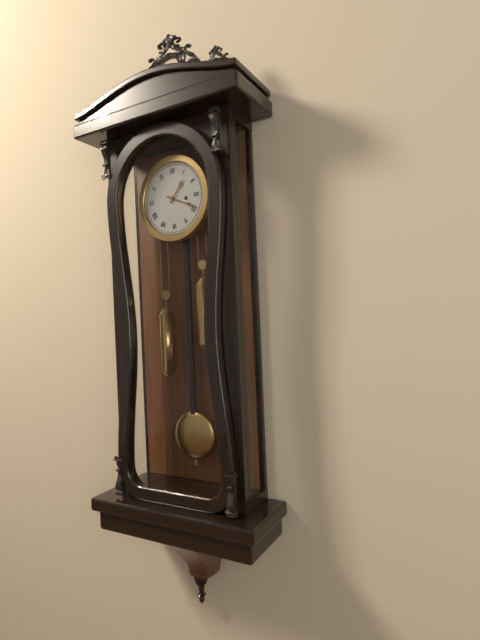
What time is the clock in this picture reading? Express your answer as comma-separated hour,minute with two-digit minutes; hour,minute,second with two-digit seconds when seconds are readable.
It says 1,19
